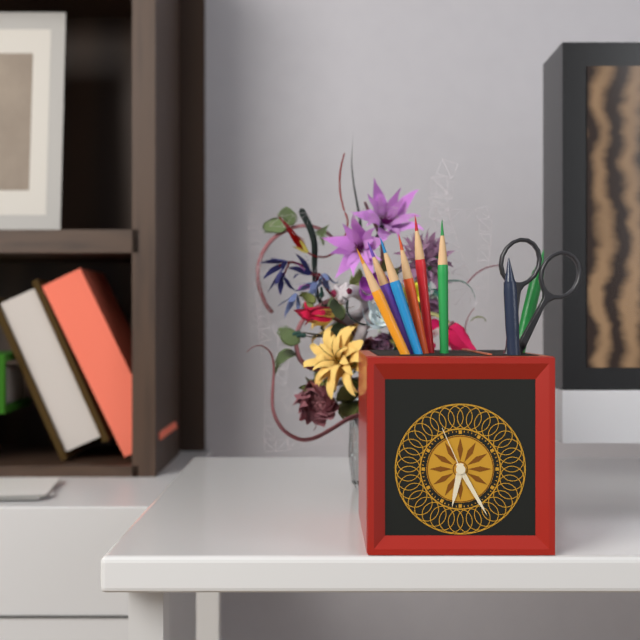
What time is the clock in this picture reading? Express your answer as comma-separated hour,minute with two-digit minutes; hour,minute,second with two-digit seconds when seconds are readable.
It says 6,25,56
